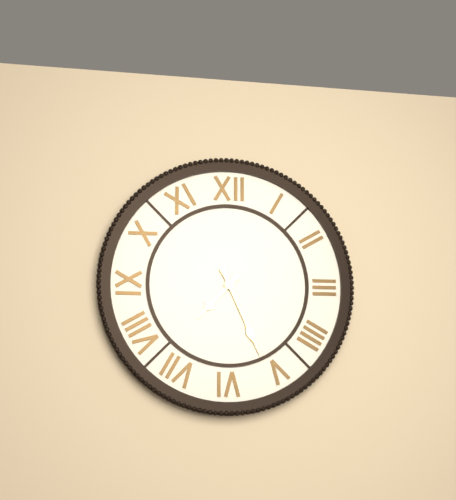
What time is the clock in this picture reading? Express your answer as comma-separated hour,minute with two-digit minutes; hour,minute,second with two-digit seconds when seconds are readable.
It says 7,26
